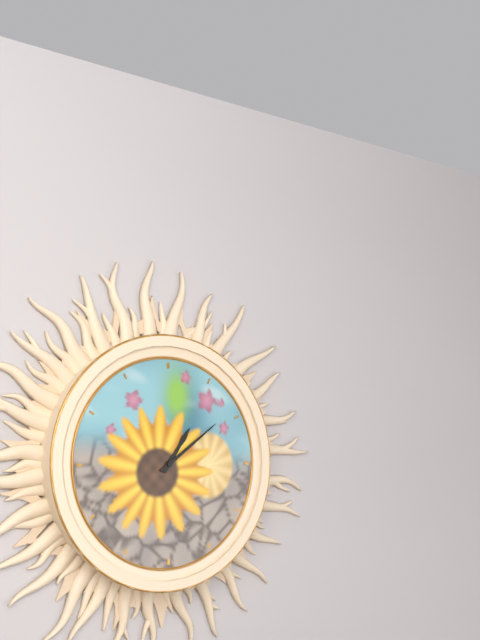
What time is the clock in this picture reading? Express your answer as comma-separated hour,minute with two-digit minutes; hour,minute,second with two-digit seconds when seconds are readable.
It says 1,09
